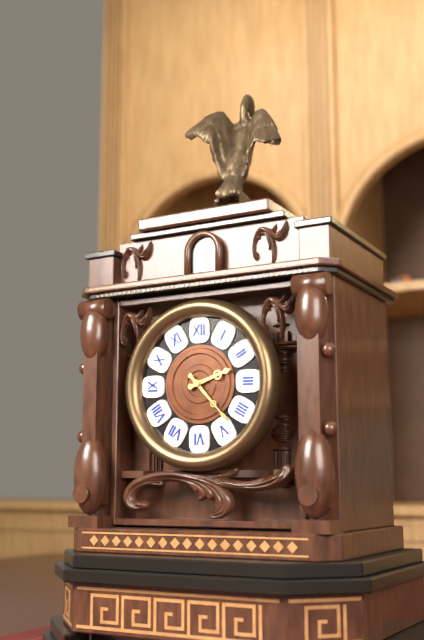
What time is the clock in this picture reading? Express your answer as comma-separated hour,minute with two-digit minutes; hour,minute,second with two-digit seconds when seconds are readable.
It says 2,23
